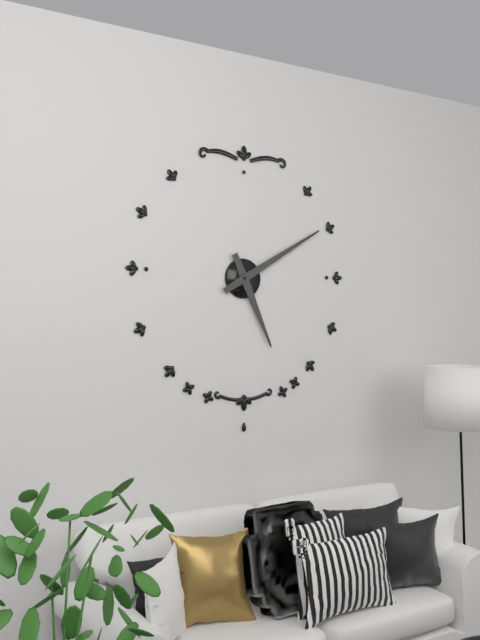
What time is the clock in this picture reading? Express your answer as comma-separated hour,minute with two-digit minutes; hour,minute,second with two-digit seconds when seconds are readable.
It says 5,10
